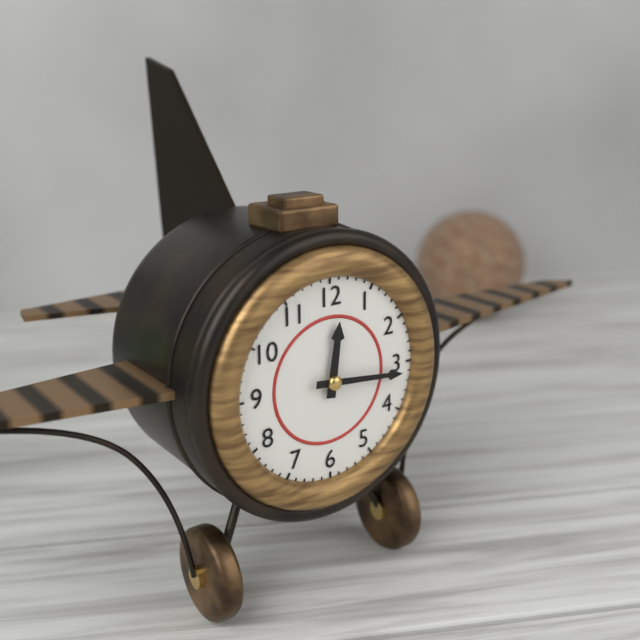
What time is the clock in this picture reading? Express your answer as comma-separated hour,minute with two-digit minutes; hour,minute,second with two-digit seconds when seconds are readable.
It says 12,16
